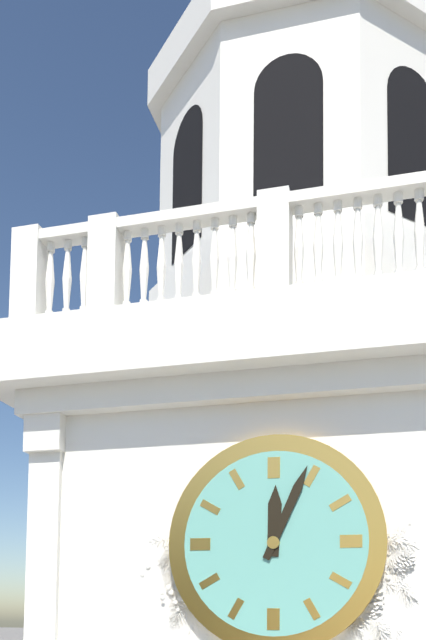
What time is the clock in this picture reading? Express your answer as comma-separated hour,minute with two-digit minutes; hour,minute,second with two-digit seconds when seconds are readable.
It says 12,04
